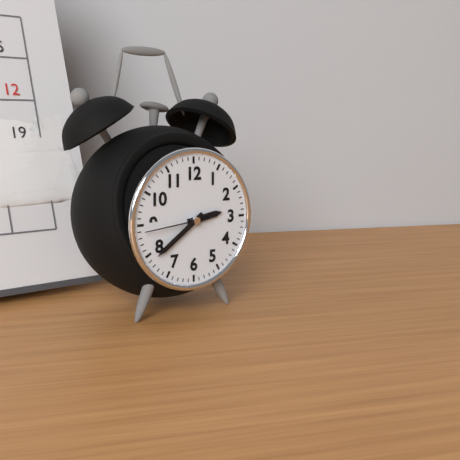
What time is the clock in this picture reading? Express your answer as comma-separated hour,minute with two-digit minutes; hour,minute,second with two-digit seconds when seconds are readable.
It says 2,39,44
